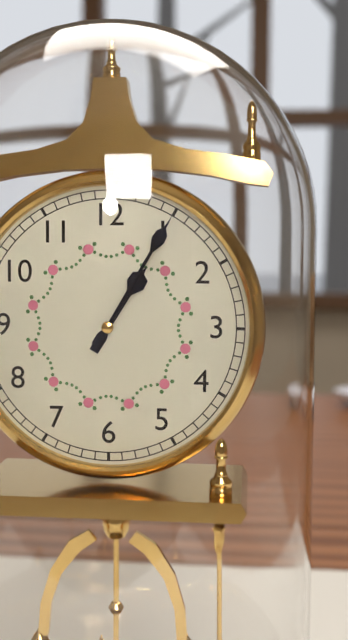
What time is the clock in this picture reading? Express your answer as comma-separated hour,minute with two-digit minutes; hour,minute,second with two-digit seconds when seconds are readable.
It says 1,05
